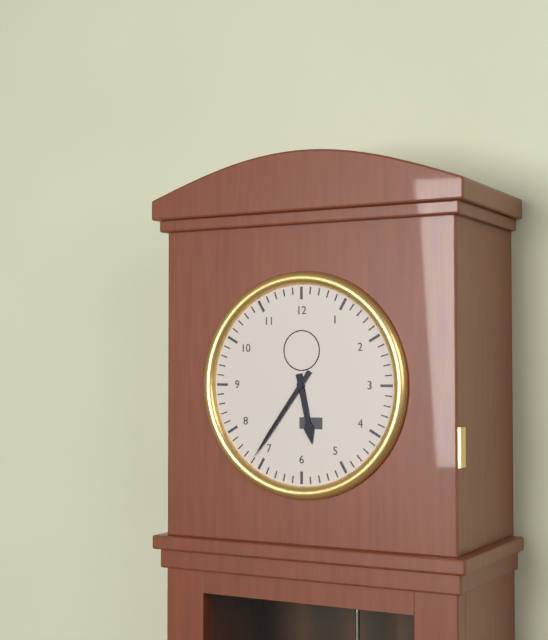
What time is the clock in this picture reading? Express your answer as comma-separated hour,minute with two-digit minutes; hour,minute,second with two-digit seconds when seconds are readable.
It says 5,36
